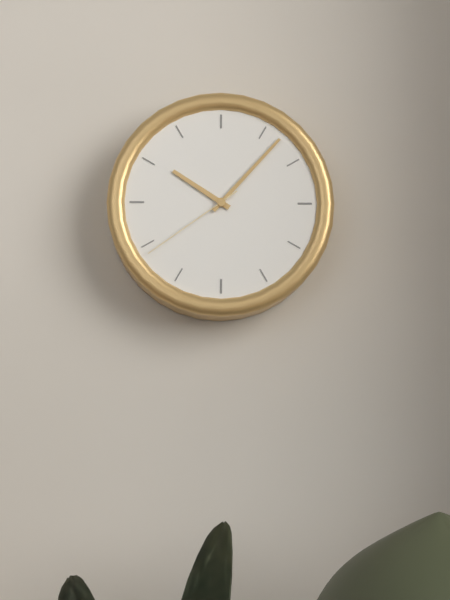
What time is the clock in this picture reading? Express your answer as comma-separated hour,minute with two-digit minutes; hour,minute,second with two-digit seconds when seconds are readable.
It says 10,07,39
